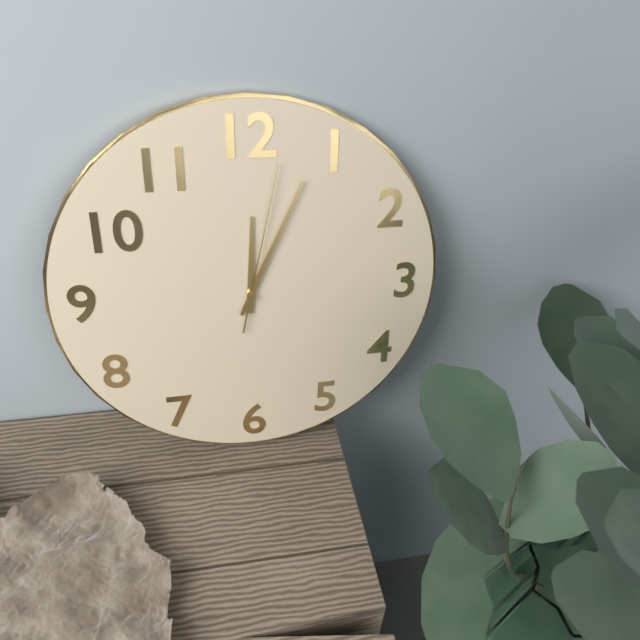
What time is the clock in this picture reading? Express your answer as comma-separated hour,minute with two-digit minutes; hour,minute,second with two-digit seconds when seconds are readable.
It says 12,04,02
